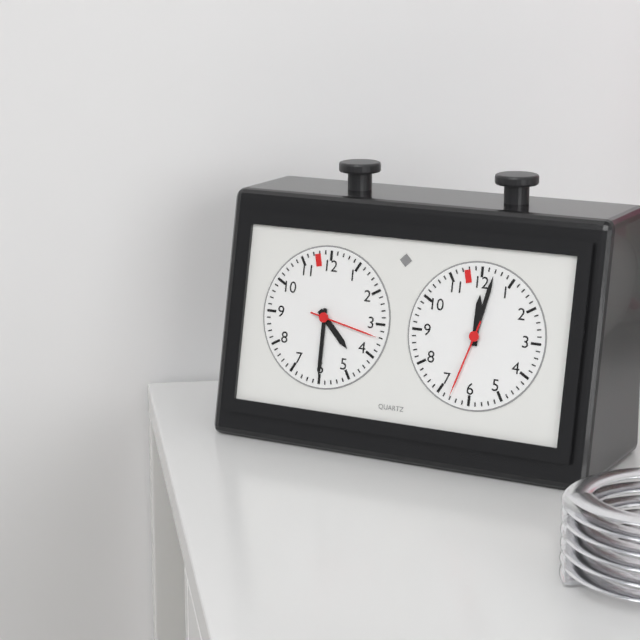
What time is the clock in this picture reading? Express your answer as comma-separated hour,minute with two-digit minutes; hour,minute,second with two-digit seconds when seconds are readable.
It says 4,30,17
